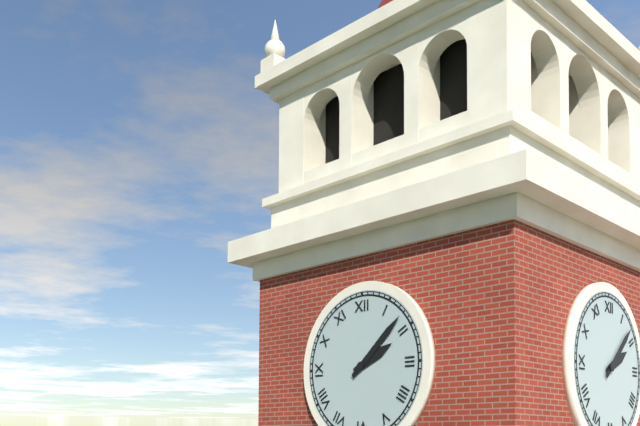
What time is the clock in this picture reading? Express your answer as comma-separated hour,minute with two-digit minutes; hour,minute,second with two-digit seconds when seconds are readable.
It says 2,08
